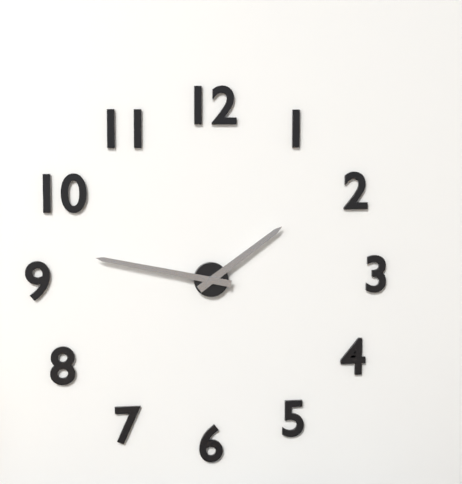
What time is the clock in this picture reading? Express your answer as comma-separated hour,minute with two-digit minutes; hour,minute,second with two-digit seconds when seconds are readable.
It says 1,47
